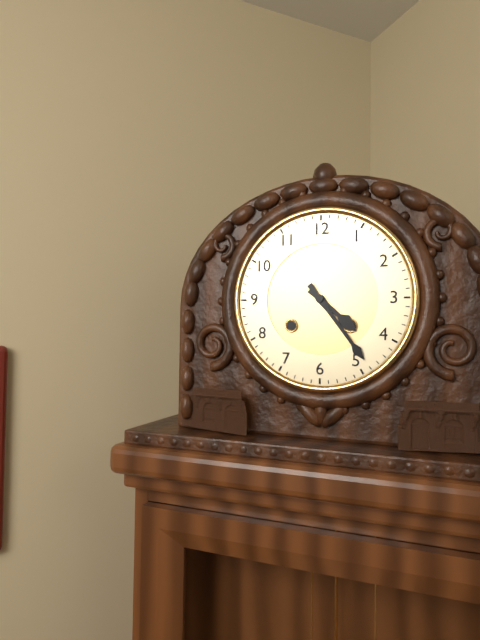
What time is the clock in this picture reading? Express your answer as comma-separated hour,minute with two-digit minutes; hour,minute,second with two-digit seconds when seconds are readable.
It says 4,24
